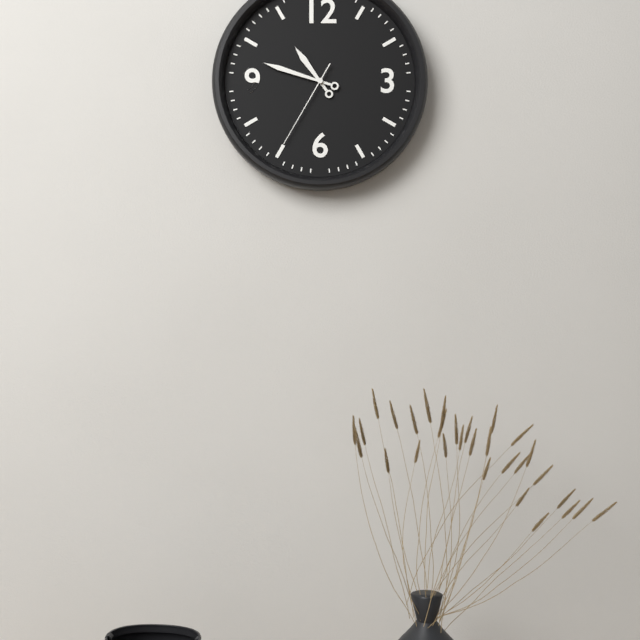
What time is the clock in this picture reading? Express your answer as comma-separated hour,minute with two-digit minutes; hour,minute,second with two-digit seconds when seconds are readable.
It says 10,48,35
